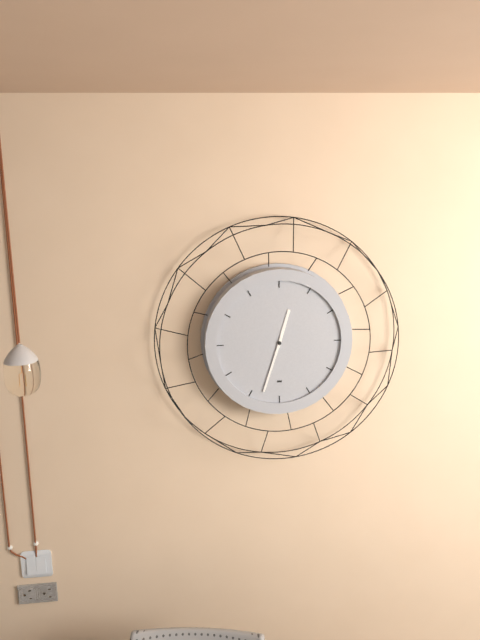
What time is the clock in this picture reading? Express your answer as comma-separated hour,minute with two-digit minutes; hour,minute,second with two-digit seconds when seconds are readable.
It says 12,33
